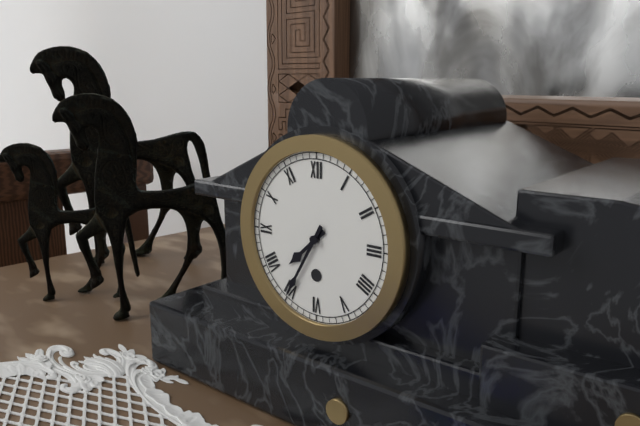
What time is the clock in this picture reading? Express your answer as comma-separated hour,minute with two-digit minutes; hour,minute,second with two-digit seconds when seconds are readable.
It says 7,35
